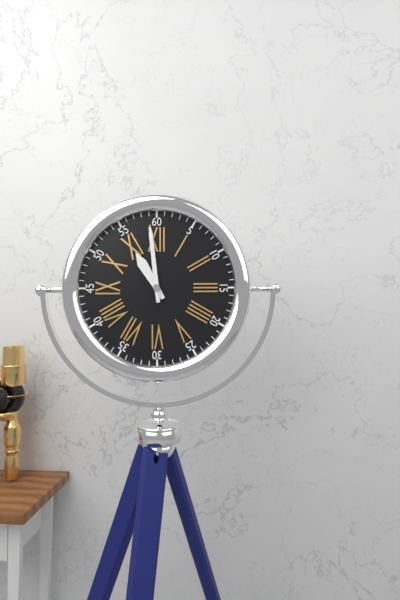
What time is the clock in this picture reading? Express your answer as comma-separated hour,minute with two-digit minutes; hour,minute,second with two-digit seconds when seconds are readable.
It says 10,59
